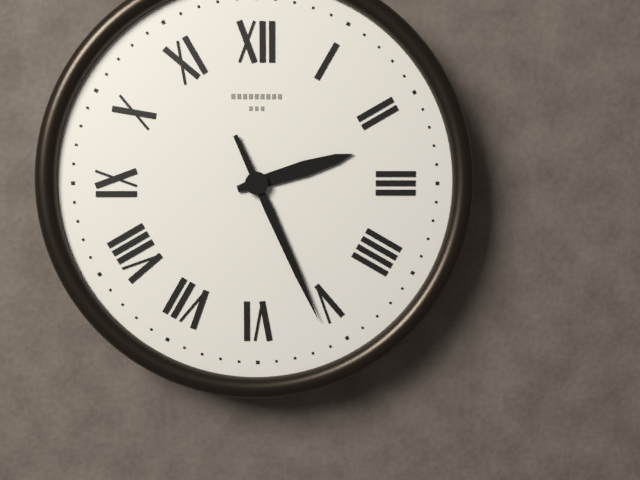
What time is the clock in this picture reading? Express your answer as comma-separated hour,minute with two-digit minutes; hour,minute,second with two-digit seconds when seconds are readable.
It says 2,26
